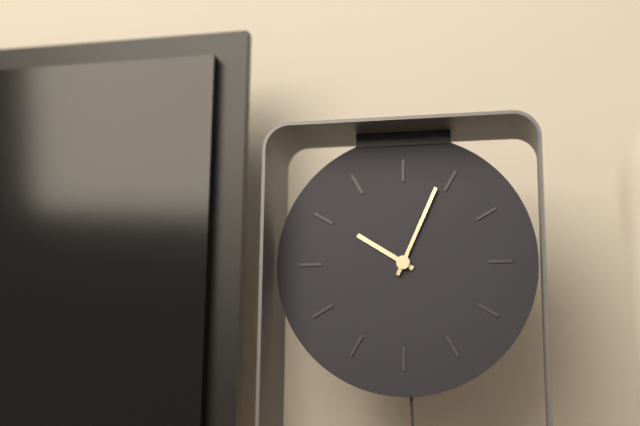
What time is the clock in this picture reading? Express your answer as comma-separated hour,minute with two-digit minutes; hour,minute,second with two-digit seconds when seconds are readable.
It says 10,04
